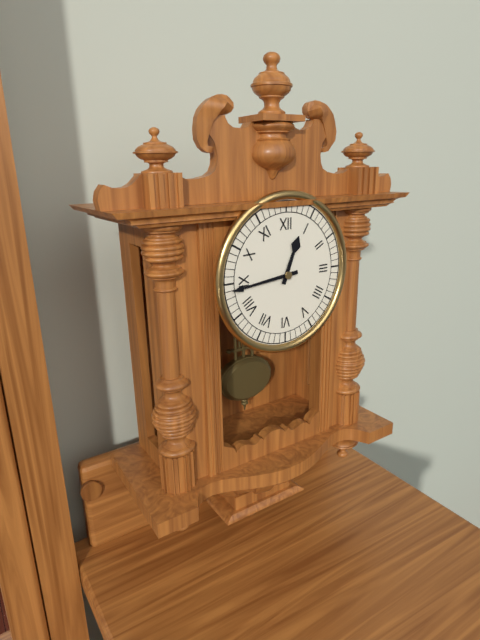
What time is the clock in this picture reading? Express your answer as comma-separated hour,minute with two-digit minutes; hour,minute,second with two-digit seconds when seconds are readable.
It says 12,44
